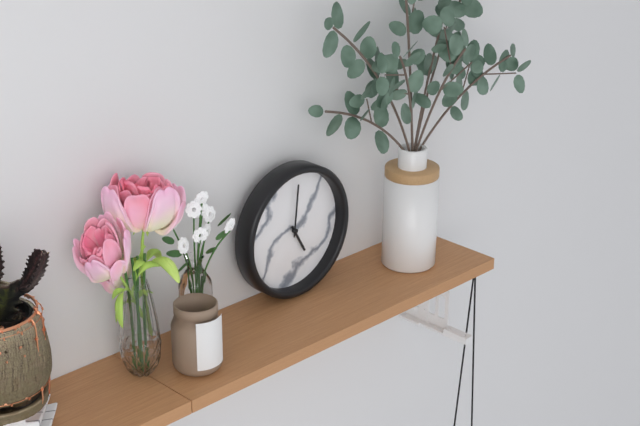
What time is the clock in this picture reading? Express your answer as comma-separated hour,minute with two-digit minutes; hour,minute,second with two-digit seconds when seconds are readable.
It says 5,01
